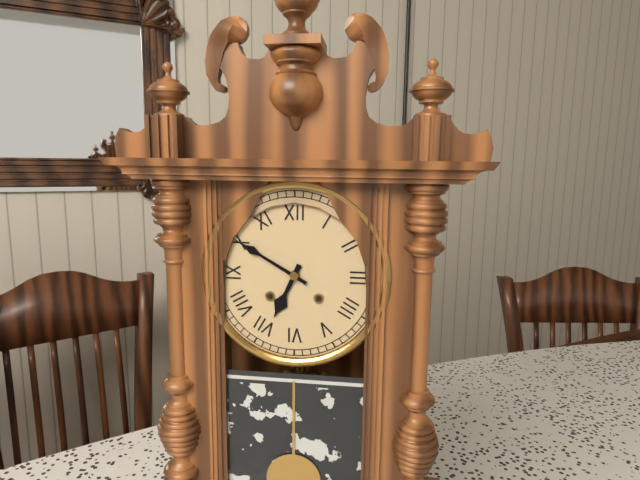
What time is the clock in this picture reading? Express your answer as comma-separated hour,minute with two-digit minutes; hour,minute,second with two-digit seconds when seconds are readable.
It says 6,50
